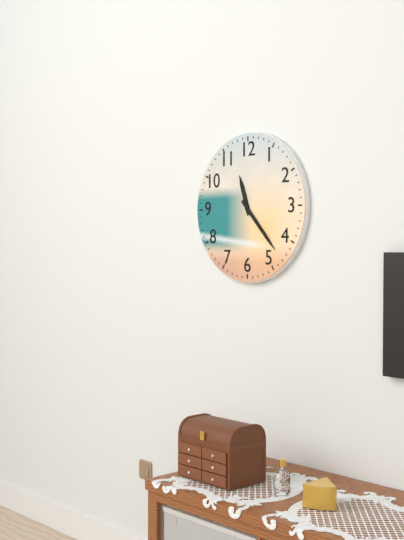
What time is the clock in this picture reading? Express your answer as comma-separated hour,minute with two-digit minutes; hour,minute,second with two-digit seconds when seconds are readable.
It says 11,23
